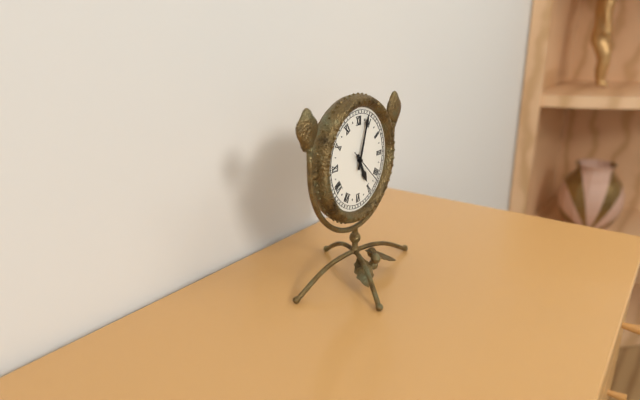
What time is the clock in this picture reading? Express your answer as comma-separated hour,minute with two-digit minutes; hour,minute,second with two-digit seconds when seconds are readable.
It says 5,03
